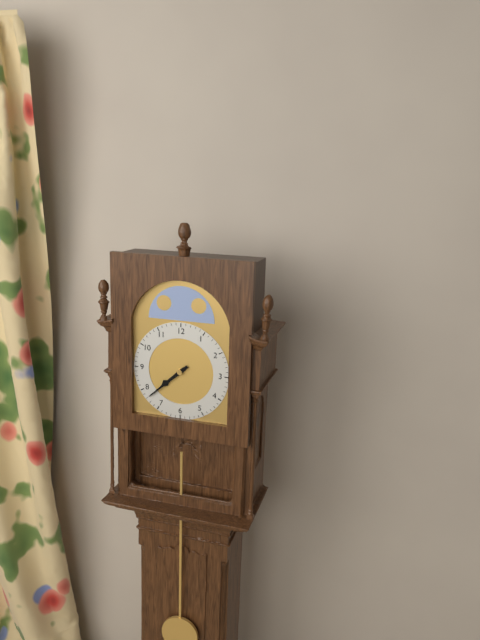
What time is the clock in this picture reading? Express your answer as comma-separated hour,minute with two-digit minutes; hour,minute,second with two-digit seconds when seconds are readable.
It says 7,38
